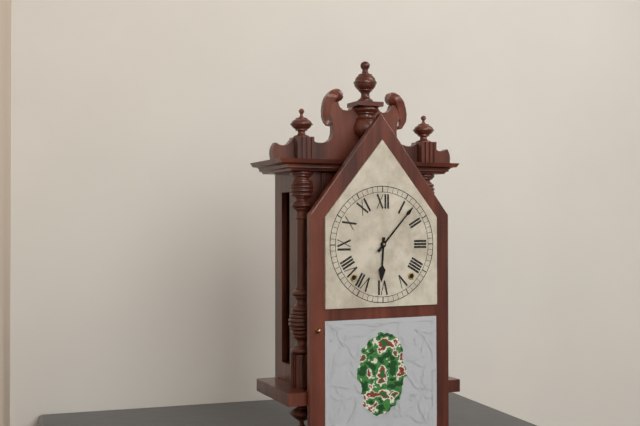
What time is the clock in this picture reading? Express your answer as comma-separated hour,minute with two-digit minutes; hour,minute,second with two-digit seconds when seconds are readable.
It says 6,07
